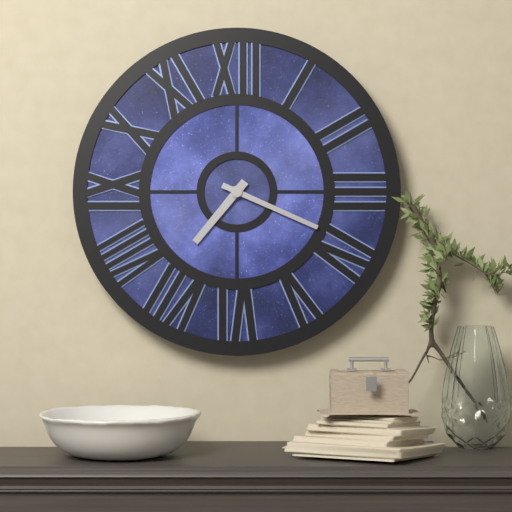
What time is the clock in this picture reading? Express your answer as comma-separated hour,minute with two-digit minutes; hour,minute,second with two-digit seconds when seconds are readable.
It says 7,19
